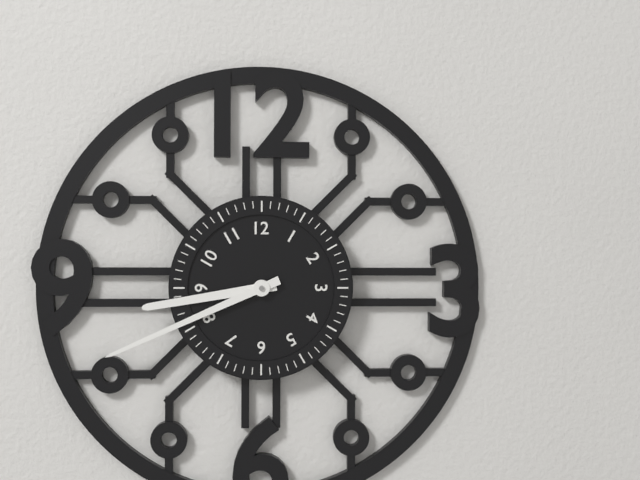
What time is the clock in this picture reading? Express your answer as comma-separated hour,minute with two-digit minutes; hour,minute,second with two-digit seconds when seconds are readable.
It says 8,41
